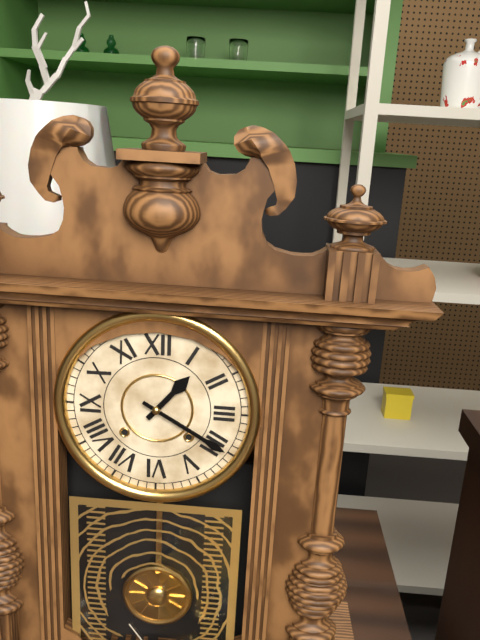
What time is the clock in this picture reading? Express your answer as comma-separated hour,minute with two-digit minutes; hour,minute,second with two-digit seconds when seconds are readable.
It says 1,20
